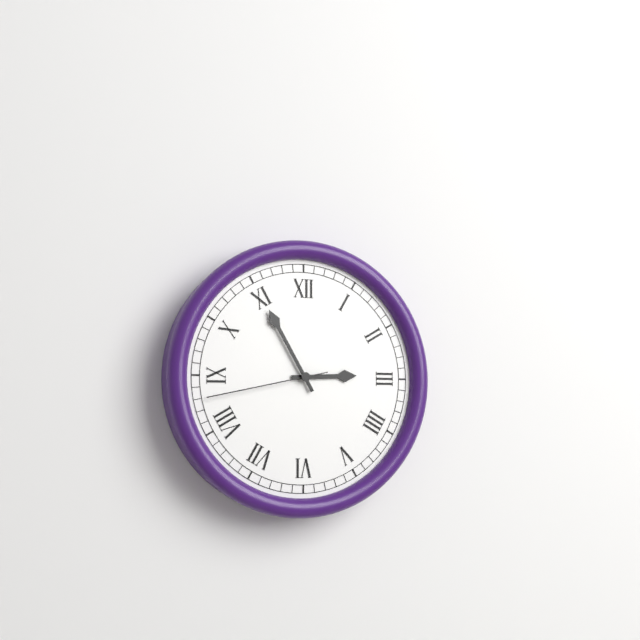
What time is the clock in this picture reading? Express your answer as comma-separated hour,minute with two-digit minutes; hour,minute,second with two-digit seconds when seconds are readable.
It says 2,55,43
